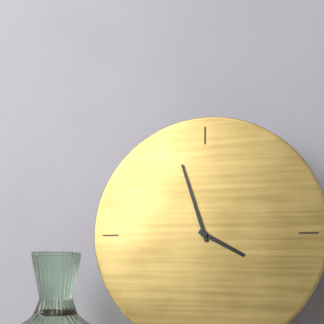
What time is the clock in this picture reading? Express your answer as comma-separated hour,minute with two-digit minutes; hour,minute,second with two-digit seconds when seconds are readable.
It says 3,57
